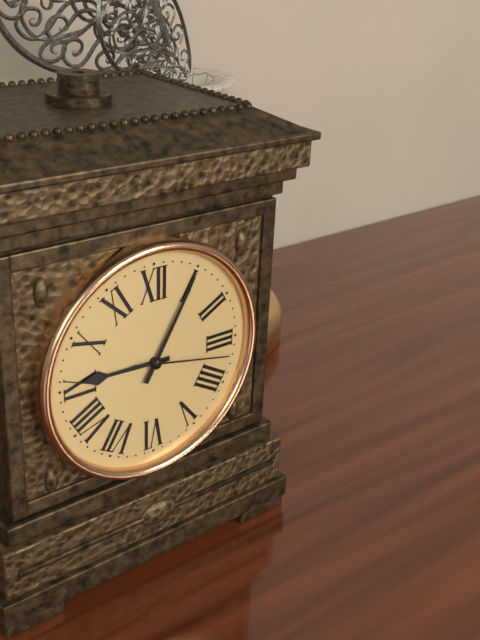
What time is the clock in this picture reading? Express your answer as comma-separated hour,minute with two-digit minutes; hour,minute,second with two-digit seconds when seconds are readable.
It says 9,05,17
